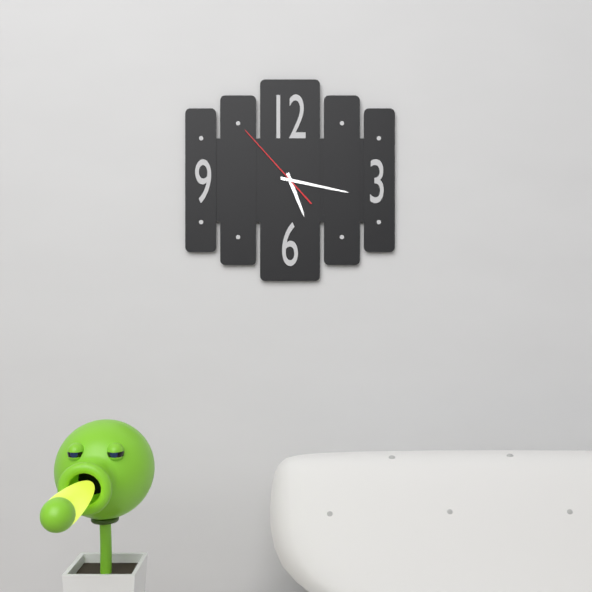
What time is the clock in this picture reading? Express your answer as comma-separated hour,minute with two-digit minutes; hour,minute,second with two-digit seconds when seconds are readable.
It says 5,17,53
